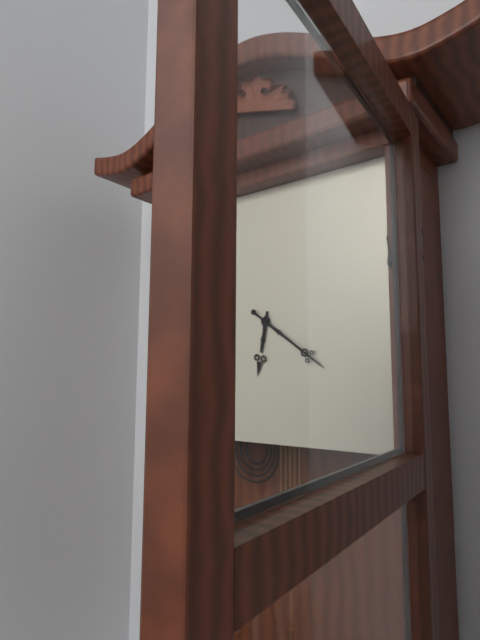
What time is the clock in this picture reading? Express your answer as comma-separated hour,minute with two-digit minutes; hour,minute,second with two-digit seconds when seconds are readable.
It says 6,21
